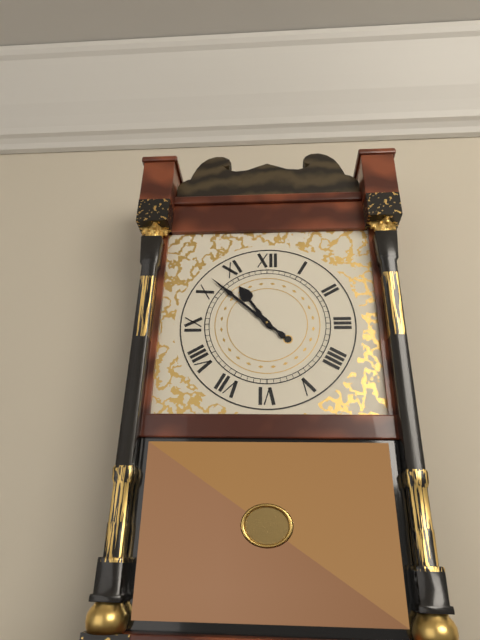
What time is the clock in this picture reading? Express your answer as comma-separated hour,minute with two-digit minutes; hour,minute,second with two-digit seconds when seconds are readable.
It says 10,52
